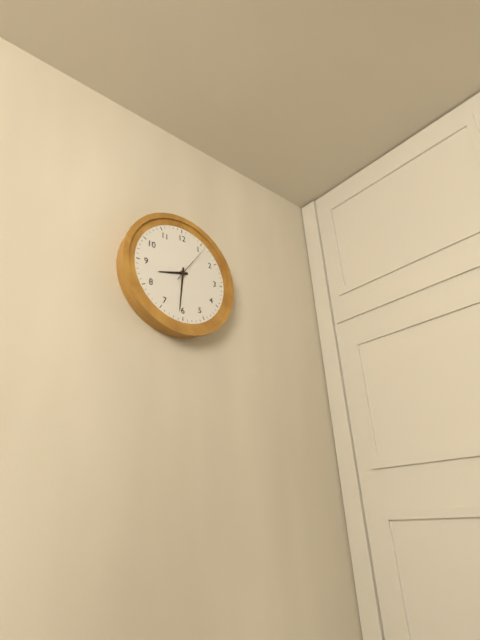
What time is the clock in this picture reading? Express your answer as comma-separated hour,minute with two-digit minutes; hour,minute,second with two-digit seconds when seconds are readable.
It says 8,31
